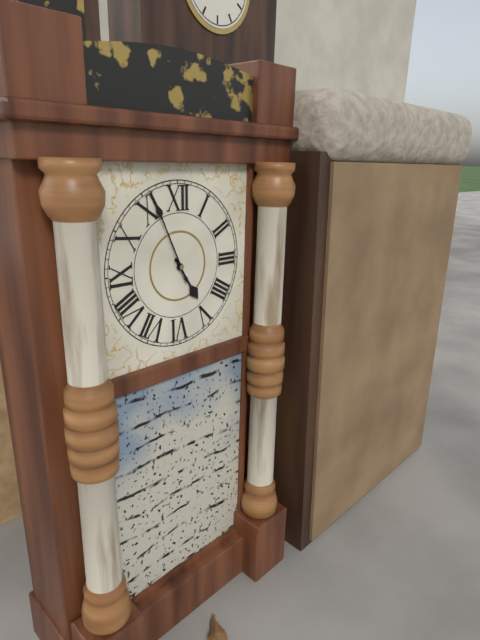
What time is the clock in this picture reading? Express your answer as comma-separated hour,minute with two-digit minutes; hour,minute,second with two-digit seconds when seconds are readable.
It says 4,56
